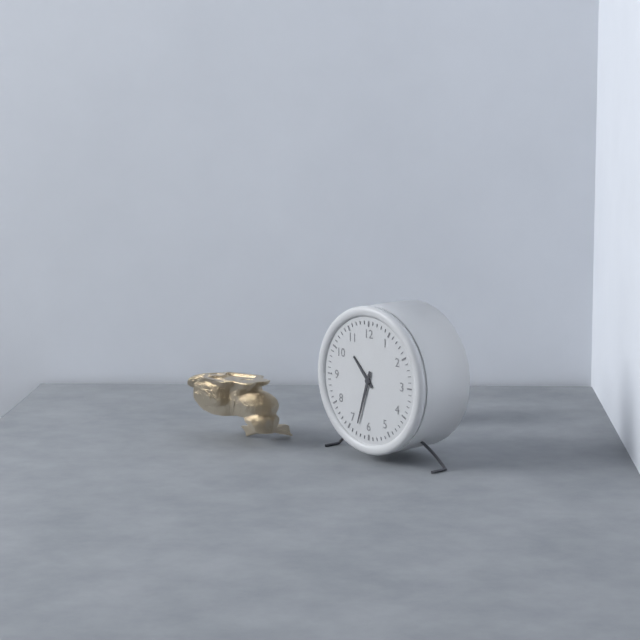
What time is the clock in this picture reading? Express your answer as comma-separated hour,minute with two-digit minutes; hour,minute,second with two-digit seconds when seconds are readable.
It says 10,33
